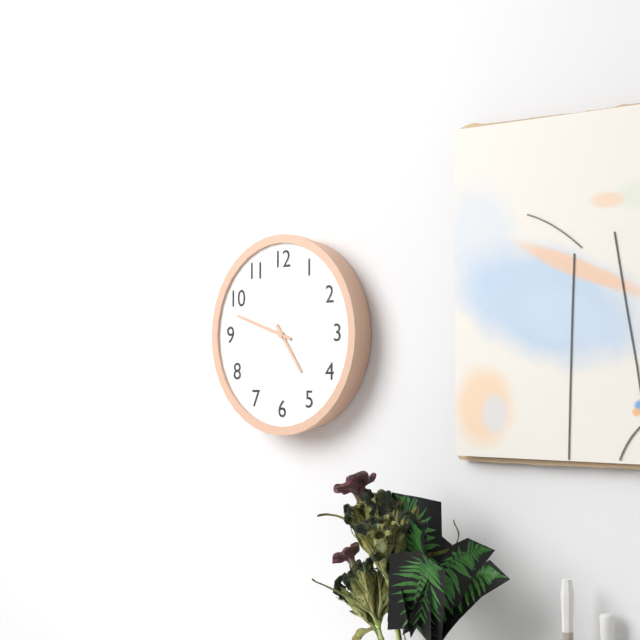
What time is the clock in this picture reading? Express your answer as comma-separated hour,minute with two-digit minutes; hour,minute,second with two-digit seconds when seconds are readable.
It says 4,48
